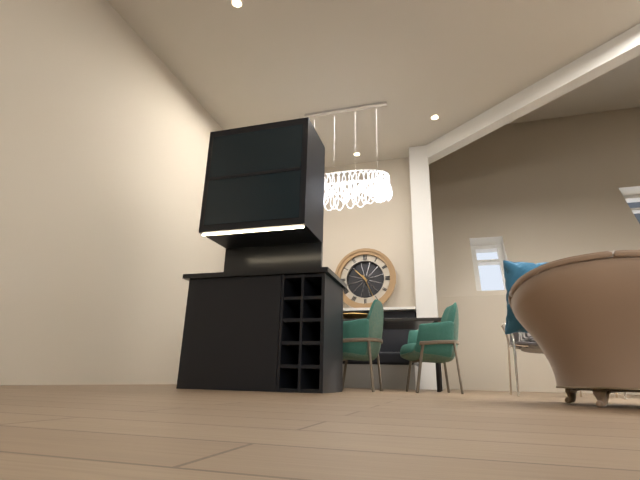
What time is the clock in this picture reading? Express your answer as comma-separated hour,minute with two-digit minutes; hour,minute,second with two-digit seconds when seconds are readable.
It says 10,26
